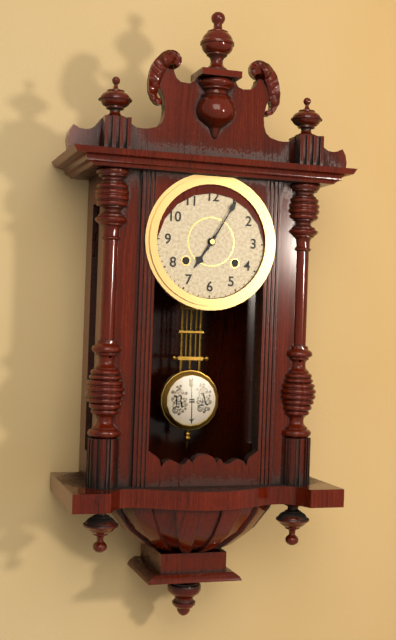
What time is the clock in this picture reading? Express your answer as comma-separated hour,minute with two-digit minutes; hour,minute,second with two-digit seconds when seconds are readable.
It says 7,05
